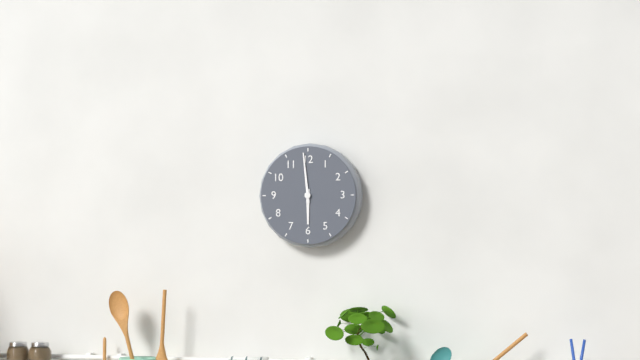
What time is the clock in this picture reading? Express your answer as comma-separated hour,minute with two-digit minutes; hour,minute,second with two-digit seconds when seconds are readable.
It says 5,59
